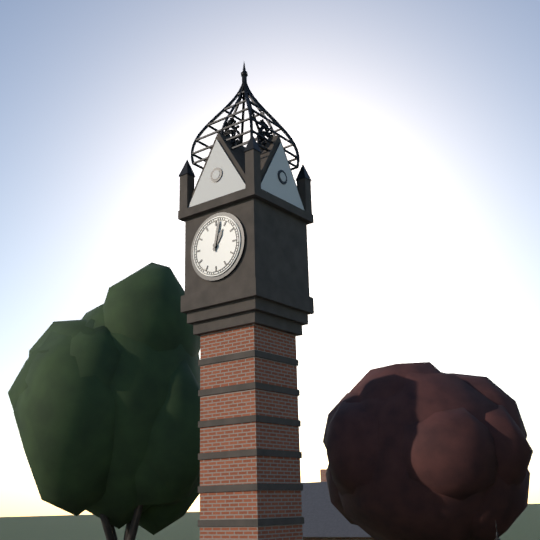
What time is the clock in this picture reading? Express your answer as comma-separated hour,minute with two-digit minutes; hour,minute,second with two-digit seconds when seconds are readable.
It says 1,02
